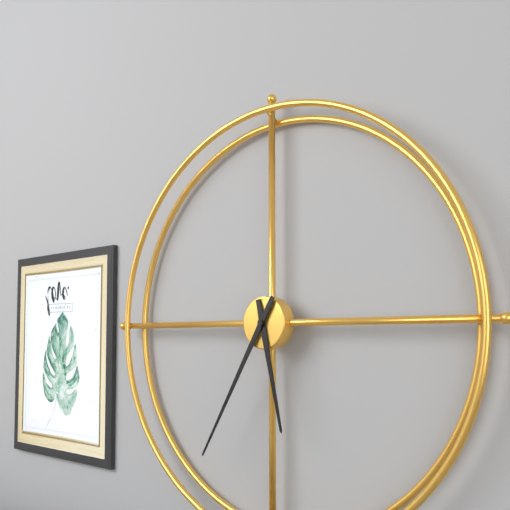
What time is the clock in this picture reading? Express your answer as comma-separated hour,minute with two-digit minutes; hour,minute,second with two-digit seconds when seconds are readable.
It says 5,35
